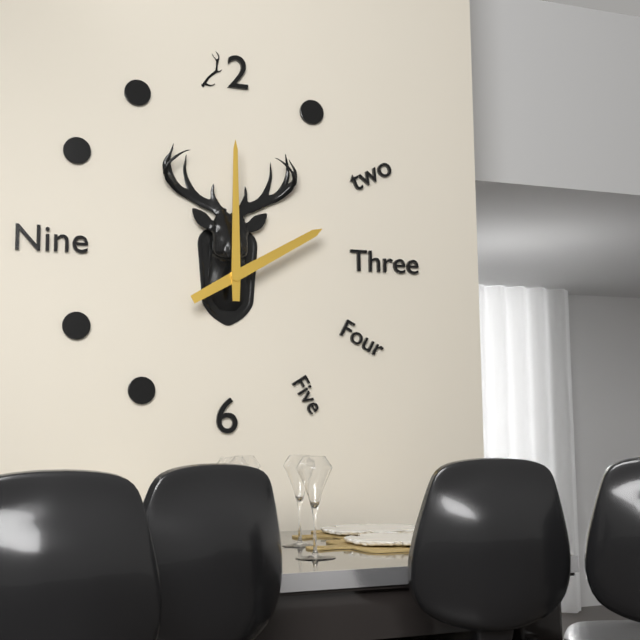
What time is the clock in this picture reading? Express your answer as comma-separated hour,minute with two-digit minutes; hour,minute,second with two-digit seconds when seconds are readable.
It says 2,00
